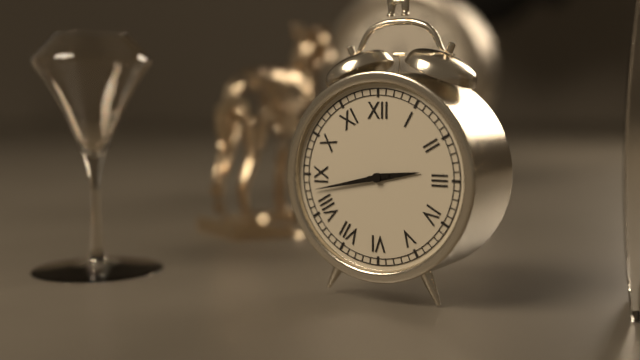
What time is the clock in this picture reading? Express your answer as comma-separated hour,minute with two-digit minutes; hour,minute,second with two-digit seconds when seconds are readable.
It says 2,43
